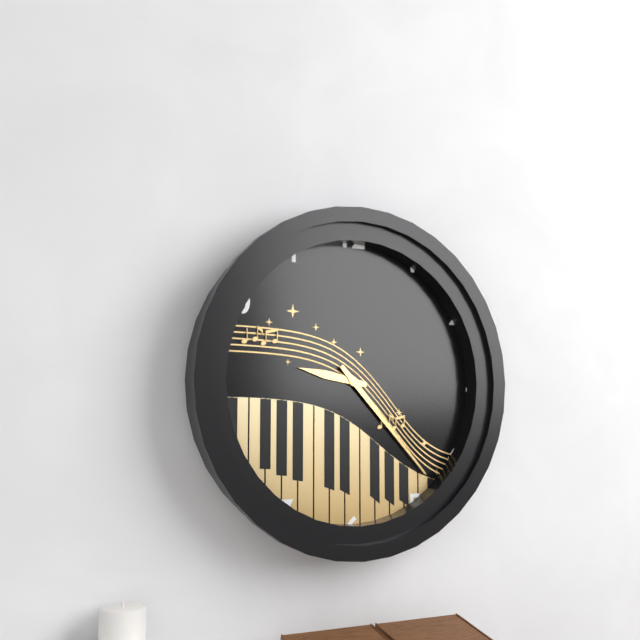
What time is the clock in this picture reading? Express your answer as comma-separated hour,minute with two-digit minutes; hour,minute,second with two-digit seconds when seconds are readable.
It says 9,23
